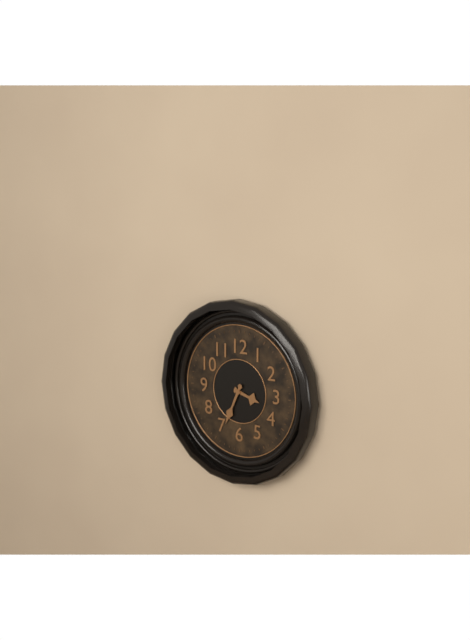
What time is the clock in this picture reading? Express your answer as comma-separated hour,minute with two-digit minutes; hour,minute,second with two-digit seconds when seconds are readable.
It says 3,34
